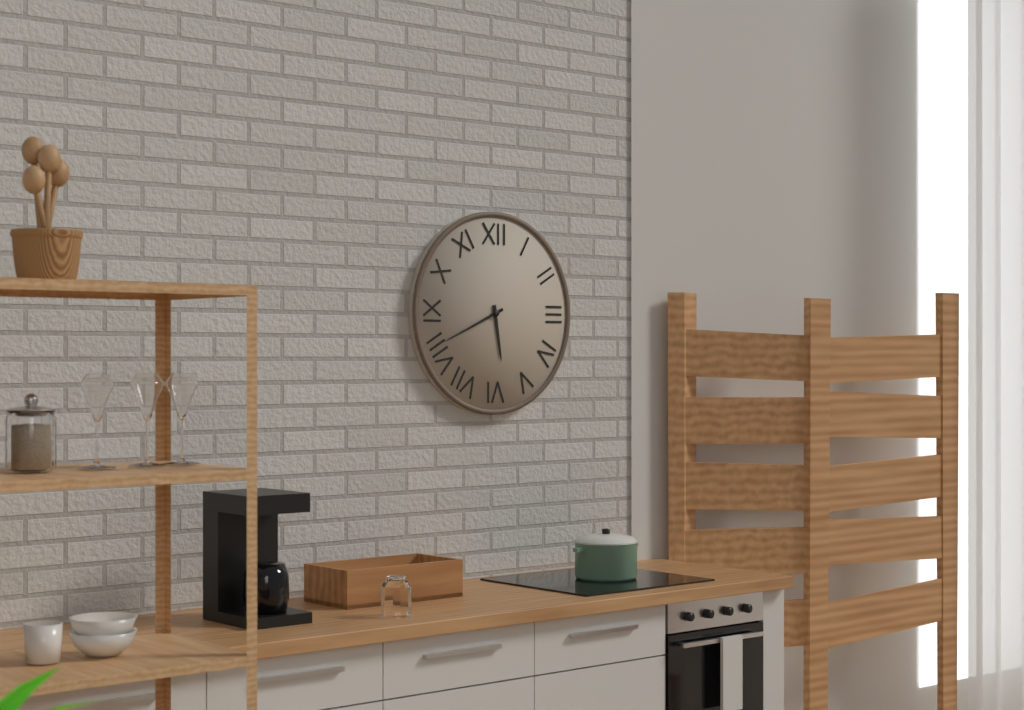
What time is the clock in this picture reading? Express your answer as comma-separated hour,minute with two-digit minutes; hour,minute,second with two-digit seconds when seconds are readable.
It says 5,41
